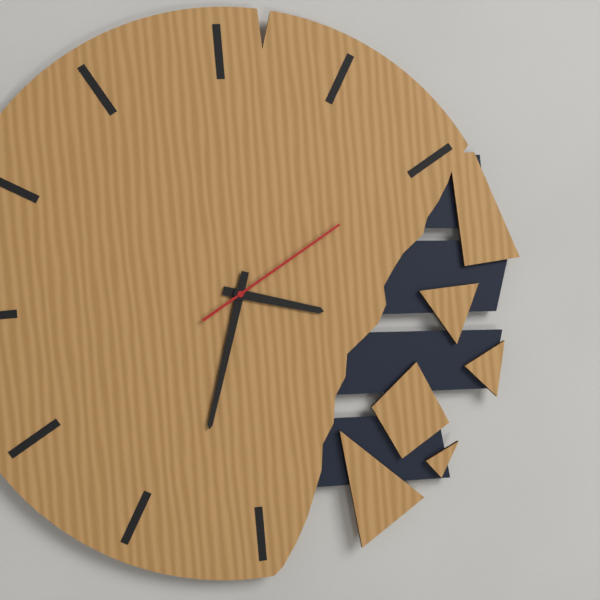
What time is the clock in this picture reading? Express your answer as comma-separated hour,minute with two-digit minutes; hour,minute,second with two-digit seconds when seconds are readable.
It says 3,33,10
